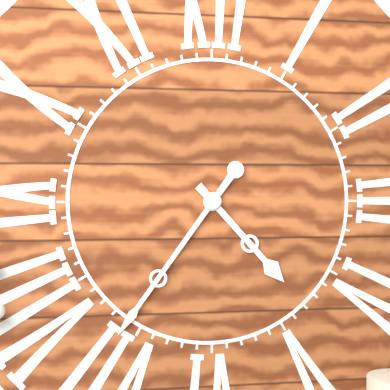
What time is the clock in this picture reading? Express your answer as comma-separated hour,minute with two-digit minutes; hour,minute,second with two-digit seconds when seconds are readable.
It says 4,36
